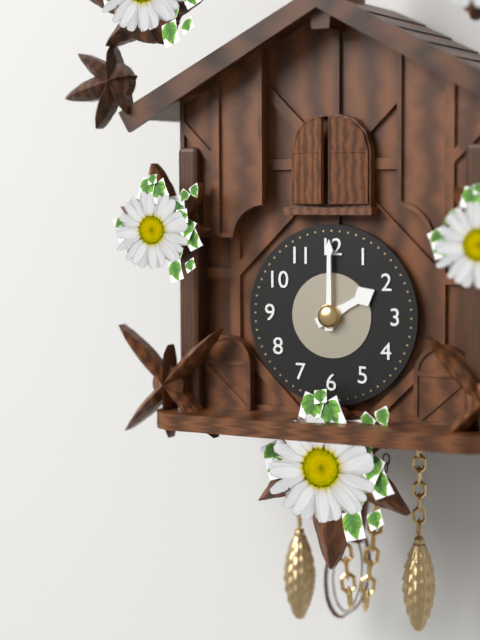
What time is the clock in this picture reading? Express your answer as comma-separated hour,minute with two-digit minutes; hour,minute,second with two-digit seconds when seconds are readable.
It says 2,00
